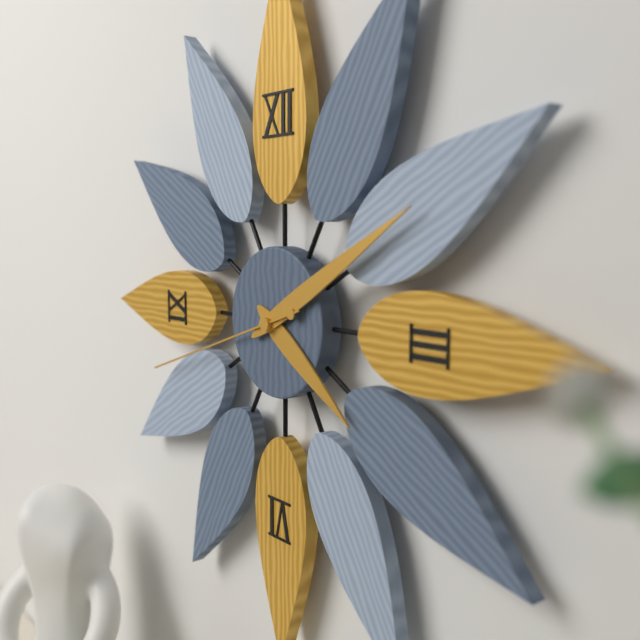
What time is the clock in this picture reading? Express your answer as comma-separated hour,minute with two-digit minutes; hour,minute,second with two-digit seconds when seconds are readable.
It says 4,10,42
